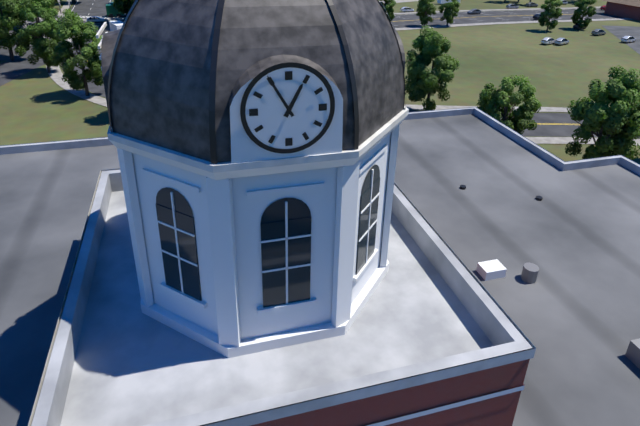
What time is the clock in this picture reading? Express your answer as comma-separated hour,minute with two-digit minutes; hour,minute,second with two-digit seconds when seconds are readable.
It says 12,55
